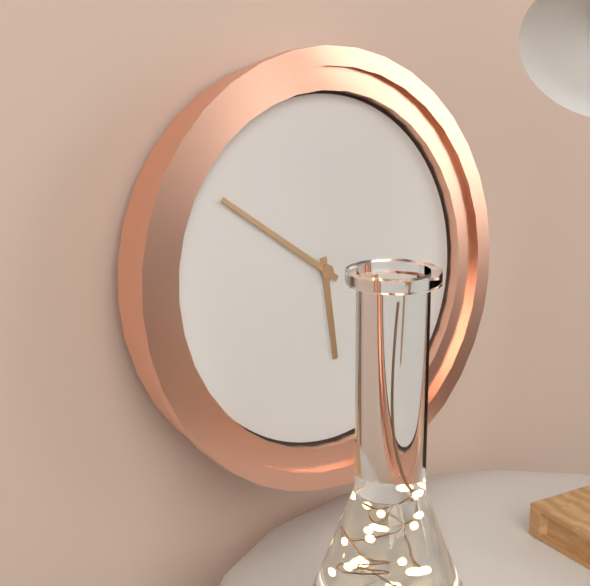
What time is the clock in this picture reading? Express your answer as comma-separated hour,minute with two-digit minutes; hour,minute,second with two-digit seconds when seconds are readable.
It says 5,51
